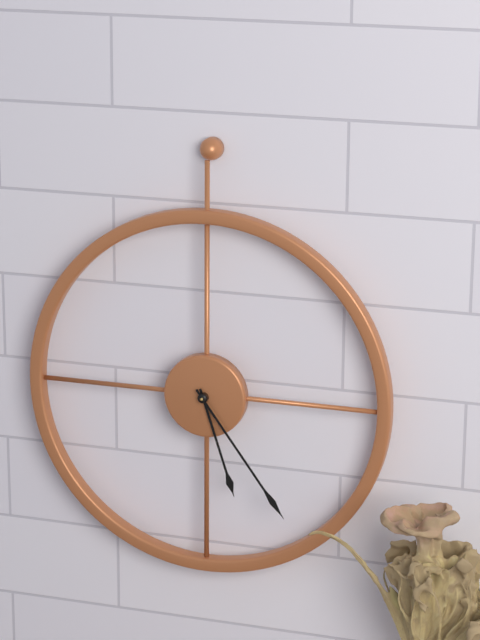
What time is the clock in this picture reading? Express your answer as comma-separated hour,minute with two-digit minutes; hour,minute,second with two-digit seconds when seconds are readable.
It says 5,24
